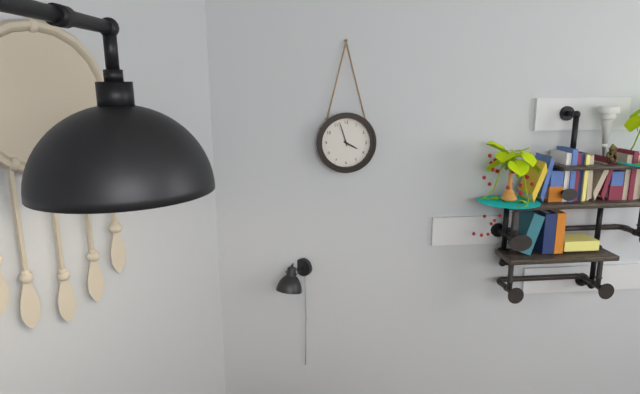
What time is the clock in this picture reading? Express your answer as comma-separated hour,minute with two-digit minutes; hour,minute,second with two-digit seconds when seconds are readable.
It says 3,57
